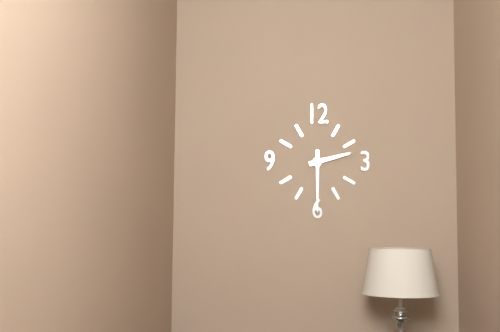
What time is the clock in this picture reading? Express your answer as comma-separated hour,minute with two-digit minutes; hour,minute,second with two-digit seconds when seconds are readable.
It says 2,30
